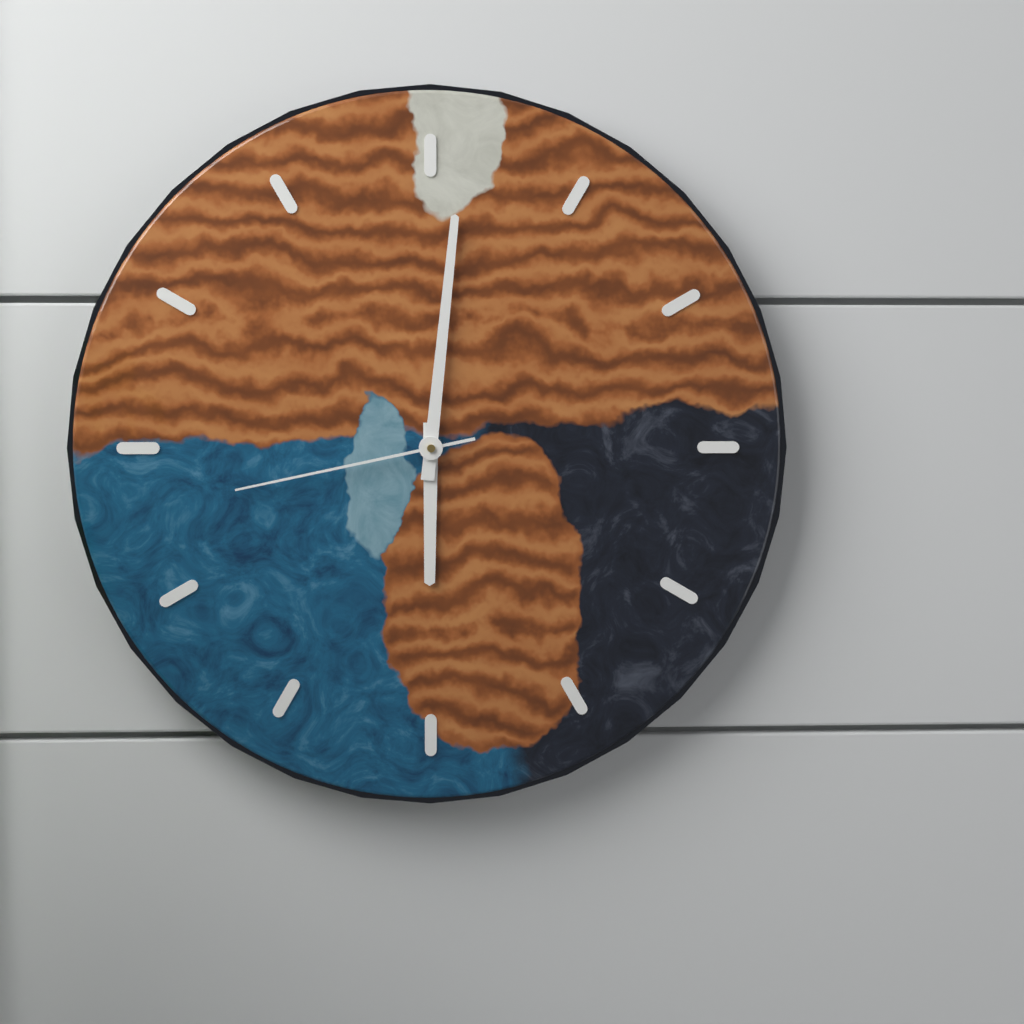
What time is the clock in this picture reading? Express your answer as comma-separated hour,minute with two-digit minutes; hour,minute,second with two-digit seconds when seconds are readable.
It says 6,01,43
